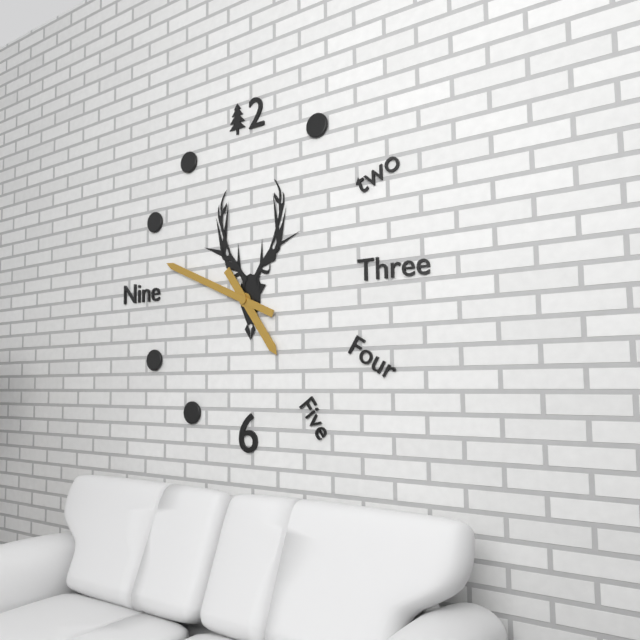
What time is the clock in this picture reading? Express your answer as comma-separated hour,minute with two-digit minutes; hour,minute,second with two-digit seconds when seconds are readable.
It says 4,49
